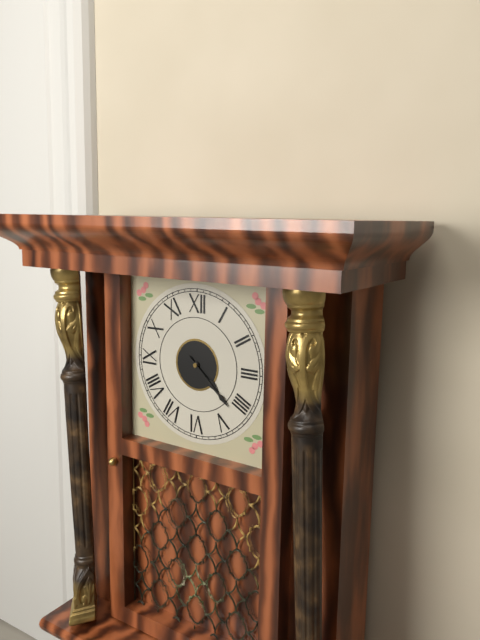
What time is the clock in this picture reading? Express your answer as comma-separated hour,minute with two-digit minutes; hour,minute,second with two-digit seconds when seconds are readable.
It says 4,22
